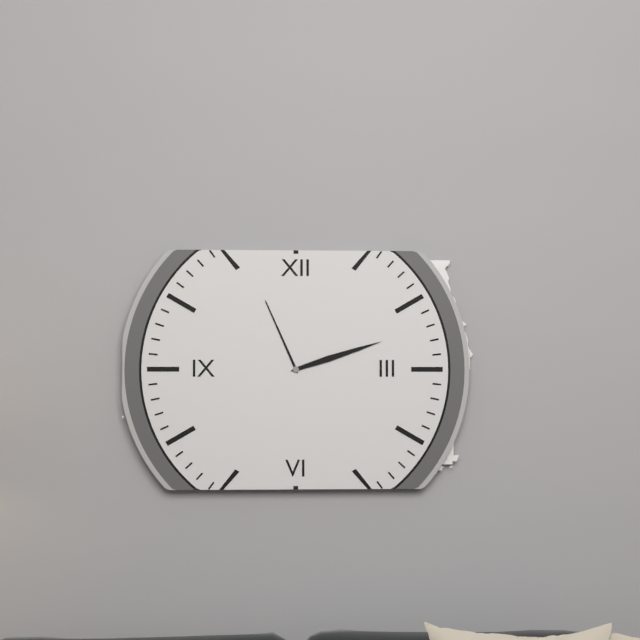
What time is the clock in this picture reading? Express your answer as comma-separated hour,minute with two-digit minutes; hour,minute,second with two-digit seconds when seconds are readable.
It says 11,12
